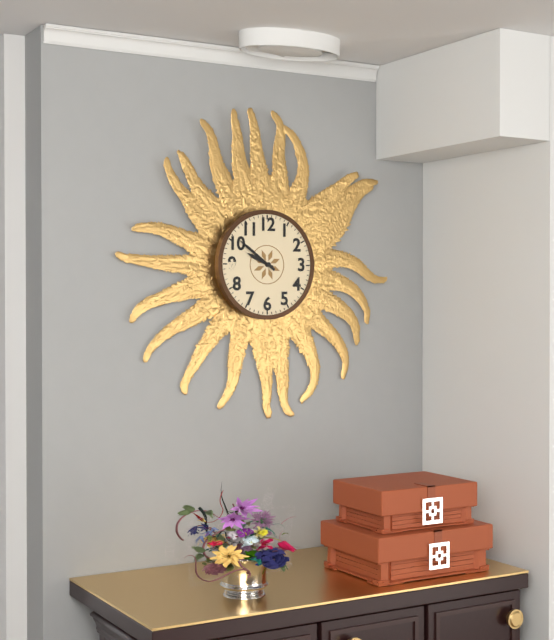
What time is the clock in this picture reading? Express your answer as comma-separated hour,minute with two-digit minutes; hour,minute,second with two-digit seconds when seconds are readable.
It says 9,51
